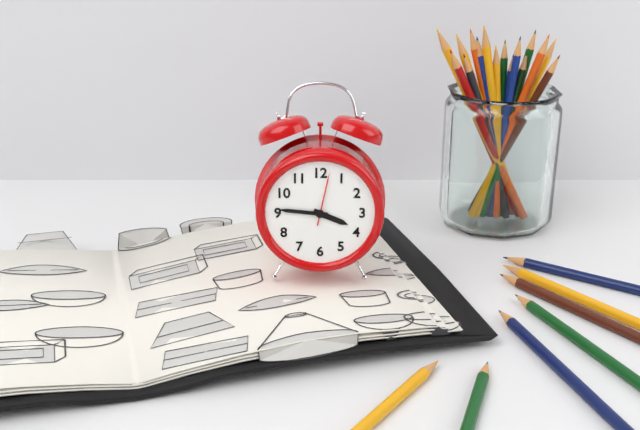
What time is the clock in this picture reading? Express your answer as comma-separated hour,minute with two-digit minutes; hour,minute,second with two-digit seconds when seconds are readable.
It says 3,46,02
